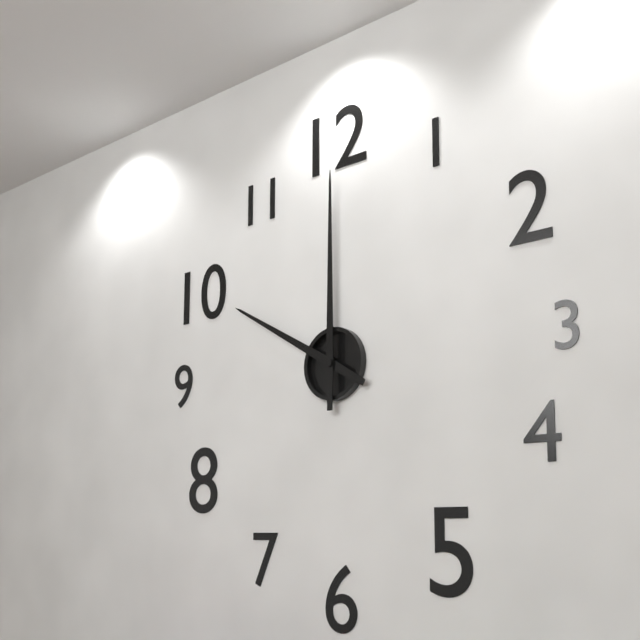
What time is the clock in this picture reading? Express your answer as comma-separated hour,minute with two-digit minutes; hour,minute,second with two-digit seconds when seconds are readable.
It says 10,00
